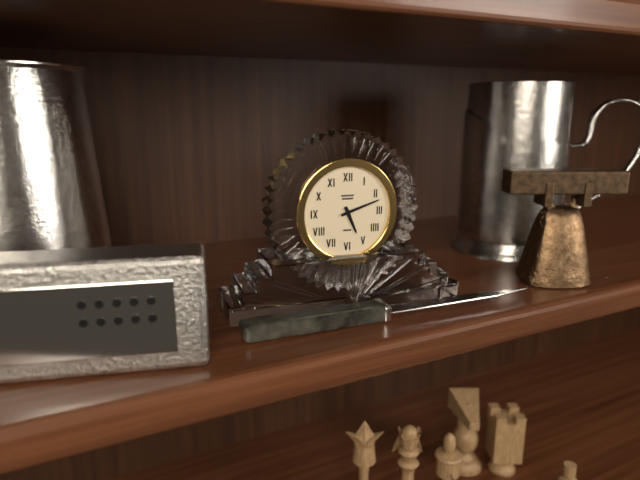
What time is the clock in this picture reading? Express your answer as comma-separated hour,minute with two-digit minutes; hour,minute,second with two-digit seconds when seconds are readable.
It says 5,12
